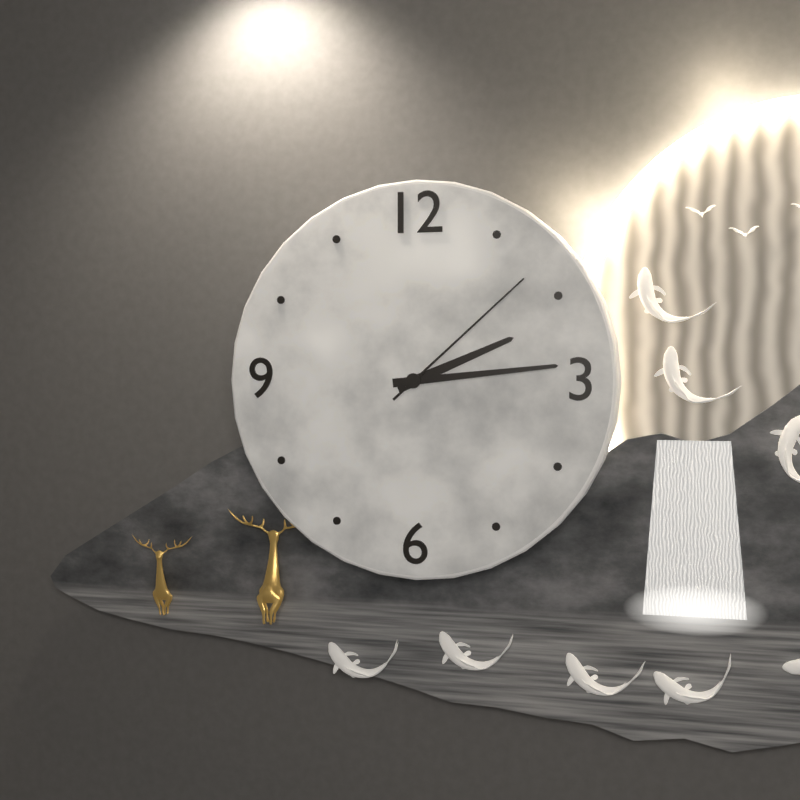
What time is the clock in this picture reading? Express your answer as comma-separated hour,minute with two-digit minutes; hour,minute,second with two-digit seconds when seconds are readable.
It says 2,14,08
